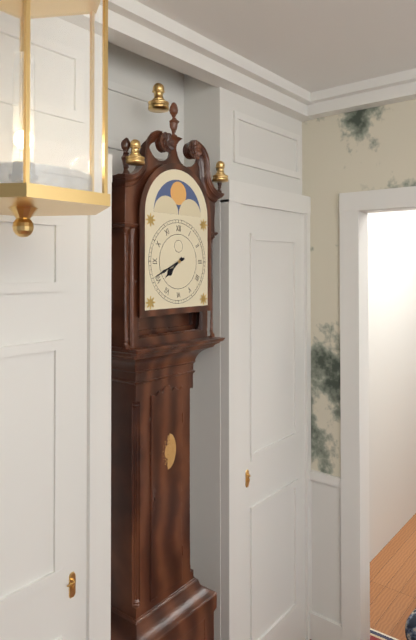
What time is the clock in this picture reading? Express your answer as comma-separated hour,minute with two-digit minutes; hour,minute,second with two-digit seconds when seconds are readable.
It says 7,41
